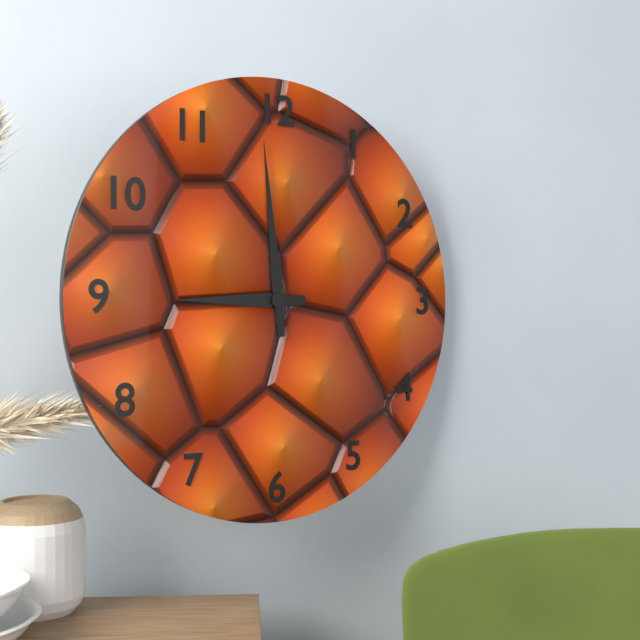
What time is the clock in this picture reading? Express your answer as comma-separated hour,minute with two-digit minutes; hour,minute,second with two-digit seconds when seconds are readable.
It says 8,59
